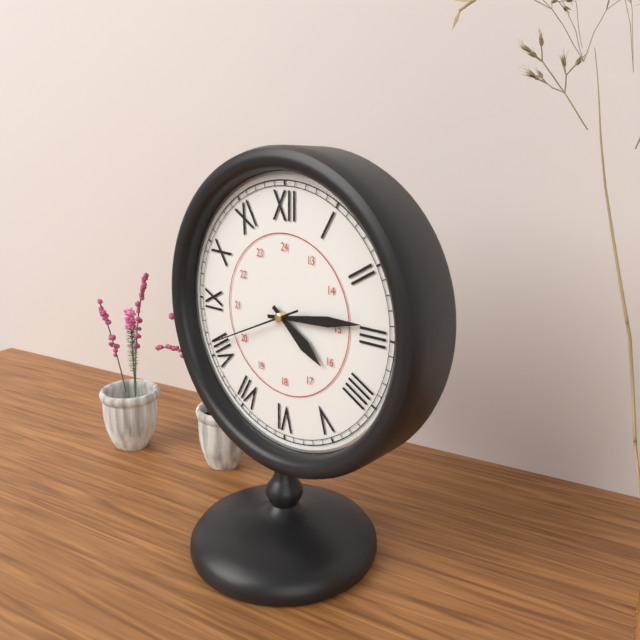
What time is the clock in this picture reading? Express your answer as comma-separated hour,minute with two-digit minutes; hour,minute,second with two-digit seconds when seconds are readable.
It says 4,14,41
